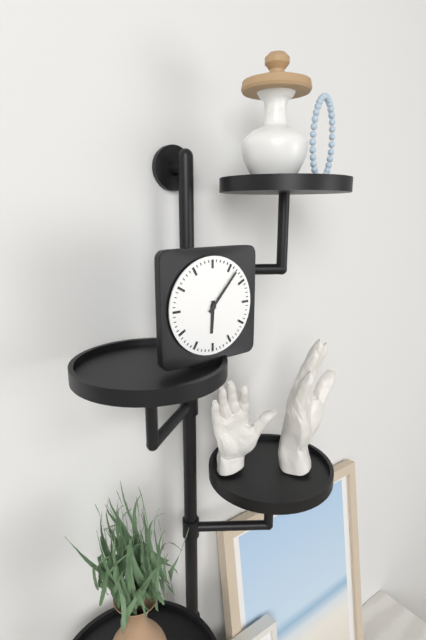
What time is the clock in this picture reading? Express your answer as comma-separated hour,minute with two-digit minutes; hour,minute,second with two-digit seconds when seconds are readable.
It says 6,07
